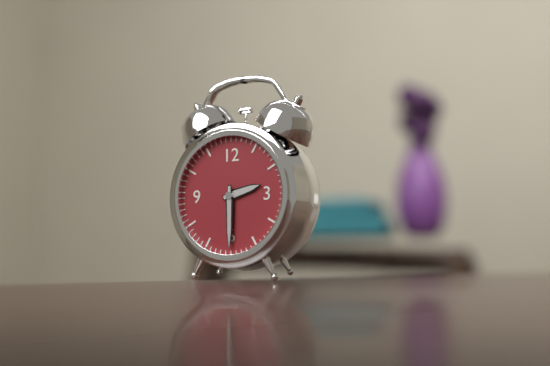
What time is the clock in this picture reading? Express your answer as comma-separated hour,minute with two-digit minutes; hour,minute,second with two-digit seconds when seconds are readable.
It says 2,30
